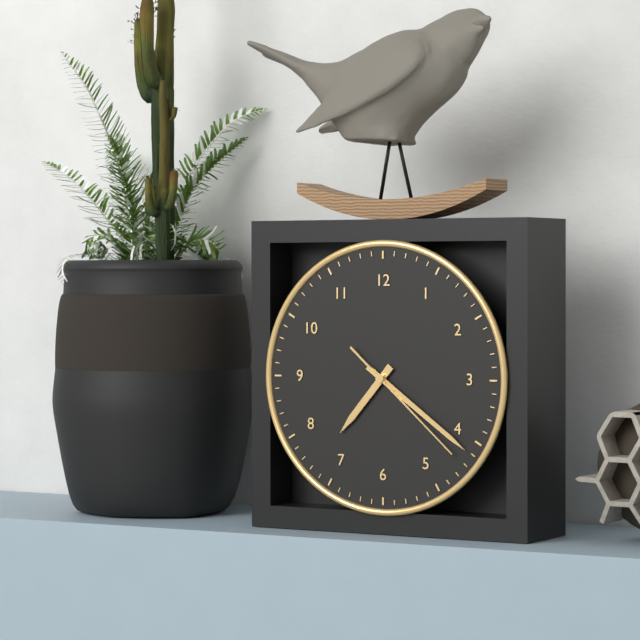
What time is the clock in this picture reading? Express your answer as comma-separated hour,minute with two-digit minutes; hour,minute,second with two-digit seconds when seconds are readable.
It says 7,21,22
